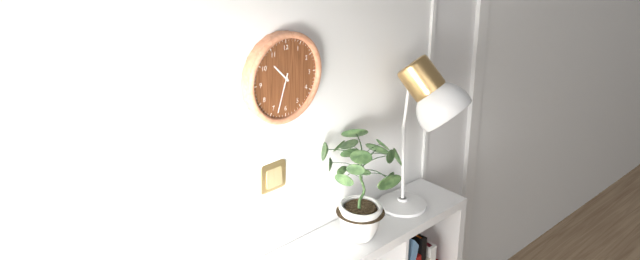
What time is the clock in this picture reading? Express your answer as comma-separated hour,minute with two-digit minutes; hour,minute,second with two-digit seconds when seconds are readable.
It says 10,33
